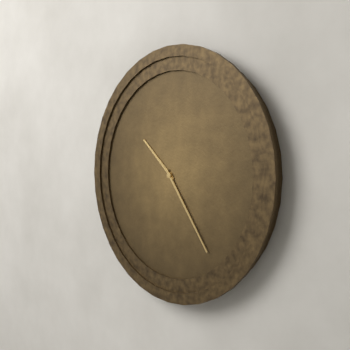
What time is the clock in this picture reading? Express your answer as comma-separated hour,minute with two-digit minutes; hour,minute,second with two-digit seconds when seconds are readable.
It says 10,24
